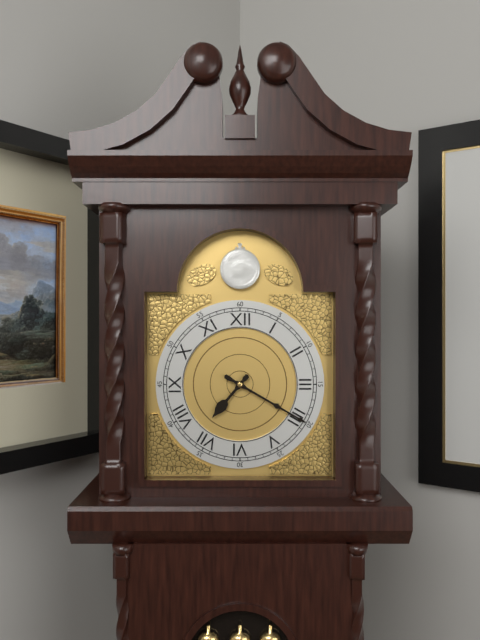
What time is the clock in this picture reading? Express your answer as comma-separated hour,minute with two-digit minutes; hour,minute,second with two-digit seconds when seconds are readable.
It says 7,20
